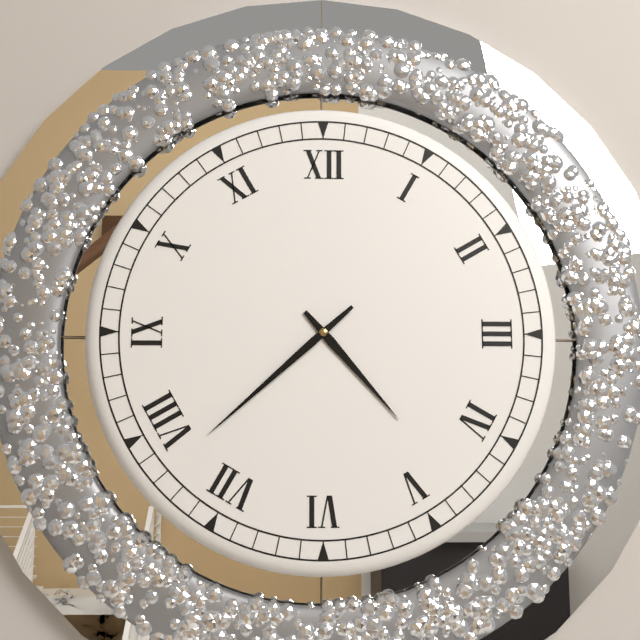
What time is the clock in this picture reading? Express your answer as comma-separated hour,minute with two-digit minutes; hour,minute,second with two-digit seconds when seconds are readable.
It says 4,38
